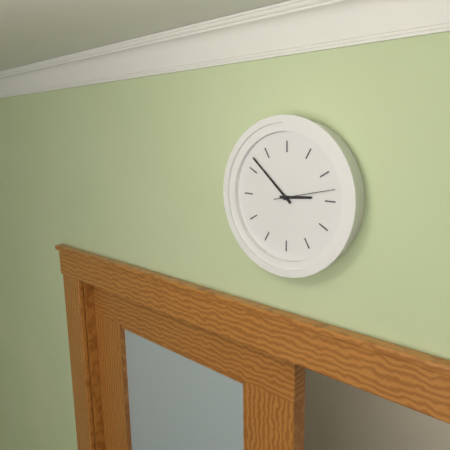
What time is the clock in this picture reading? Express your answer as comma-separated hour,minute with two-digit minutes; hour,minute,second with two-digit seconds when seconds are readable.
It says 2,52,13
